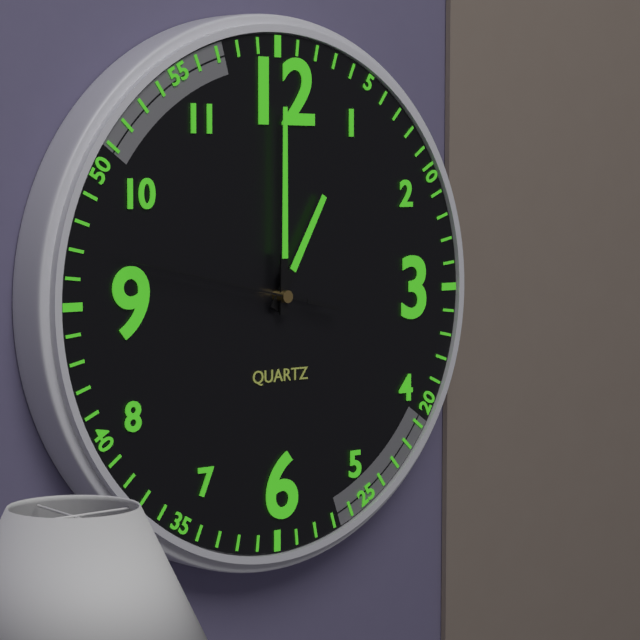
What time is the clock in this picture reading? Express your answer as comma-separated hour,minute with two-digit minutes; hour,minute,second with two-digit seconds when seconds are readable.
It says 1,00,47
